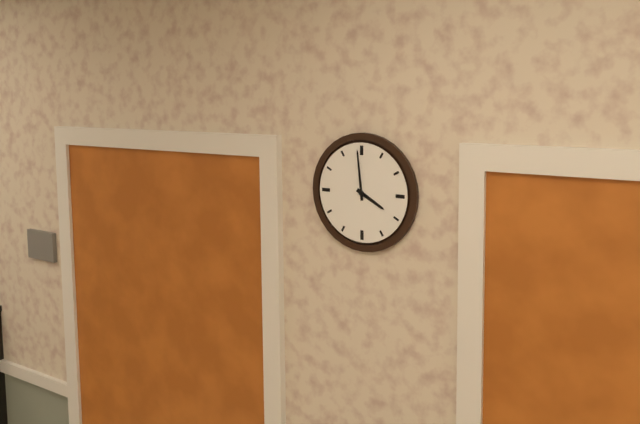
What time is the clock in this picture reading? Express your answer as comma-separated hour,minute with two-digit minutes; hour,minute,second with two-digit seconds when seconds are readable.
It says 3,59
